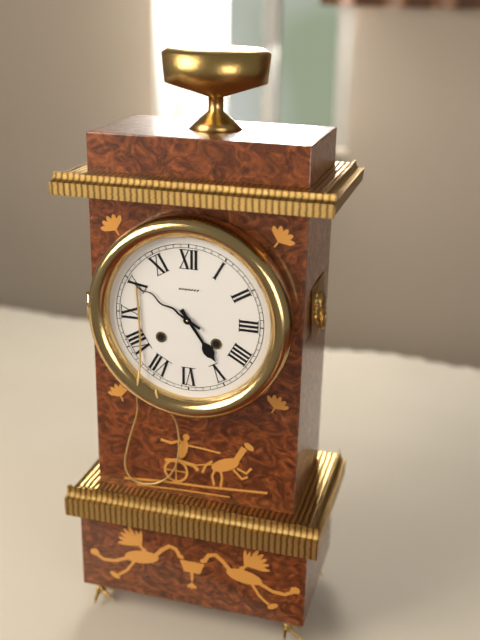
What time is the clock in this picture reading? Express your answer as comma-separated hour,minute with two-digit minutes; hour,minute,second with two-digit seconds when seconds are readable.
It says 4,50
